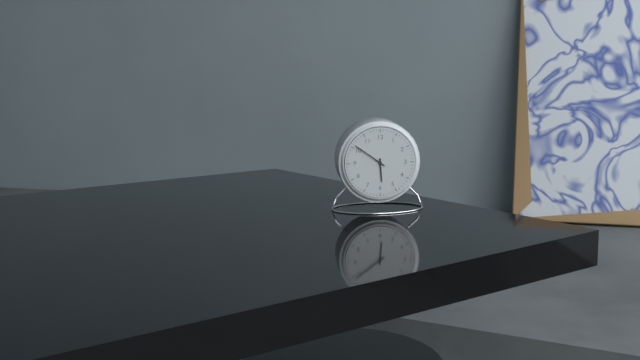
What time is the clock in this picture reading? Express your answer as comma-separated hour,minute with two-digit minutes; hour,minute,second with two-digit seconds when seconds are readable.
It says 5,51
